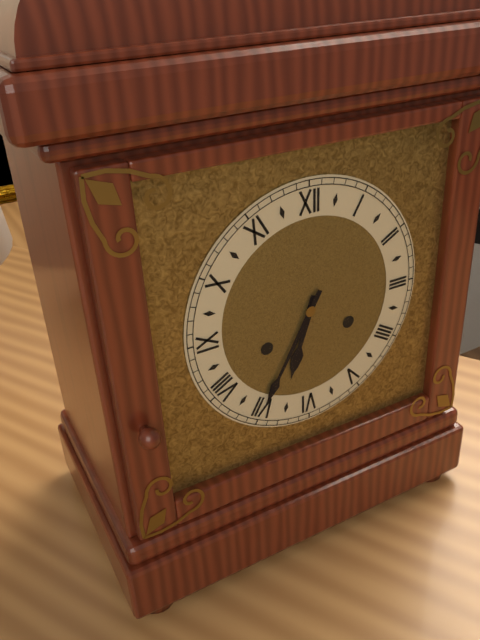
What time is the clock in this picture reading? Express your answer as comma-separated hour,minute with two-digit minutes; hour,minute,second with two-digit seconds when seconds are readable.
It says 6,35
